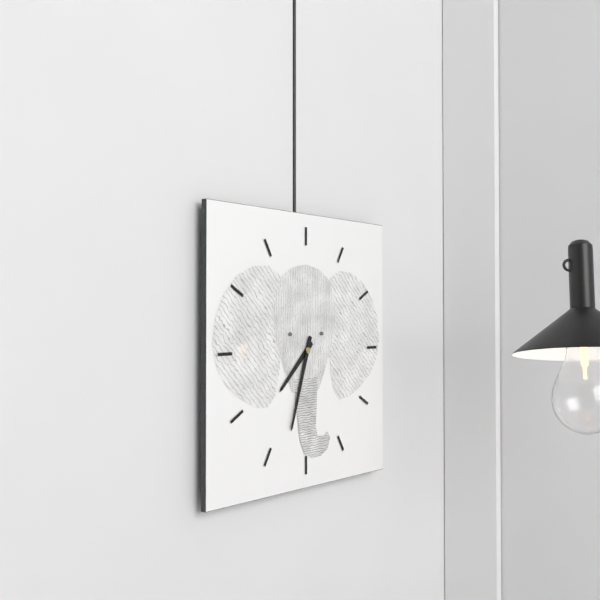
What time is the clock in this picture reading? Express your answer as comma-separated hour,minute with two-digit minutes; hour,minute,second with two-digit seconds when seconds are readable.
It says 7,33
